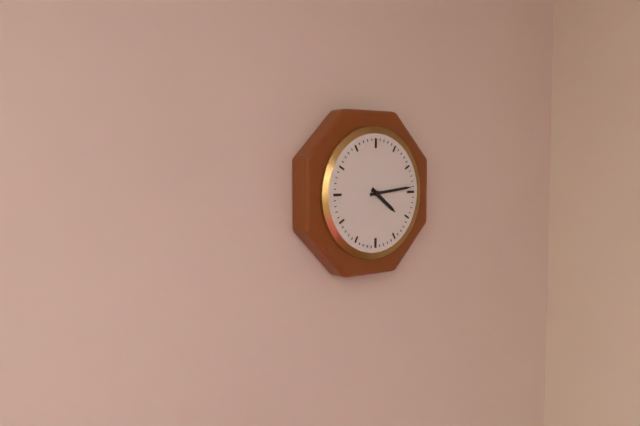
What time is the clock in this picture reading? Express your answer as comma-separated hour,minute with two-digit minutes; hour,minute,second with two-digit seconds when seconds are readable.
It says 4,14
